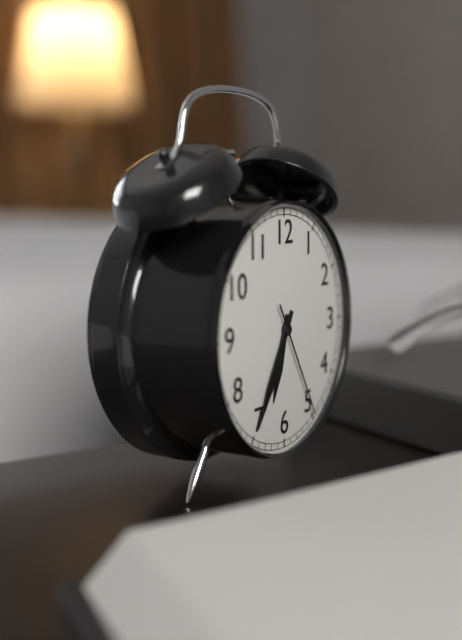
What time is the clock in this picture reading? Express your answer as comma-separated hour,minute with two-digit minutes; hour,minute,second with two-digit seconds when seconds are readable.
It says 6,35,25
